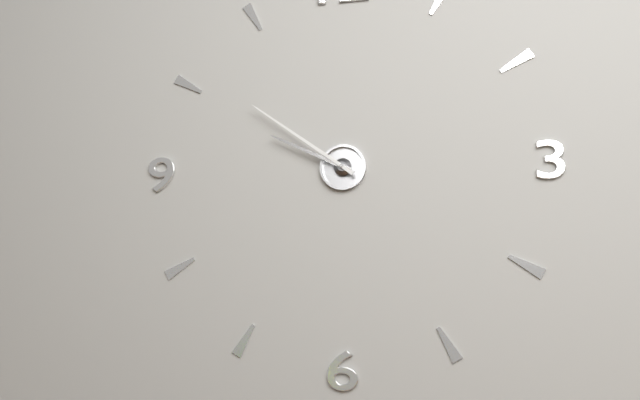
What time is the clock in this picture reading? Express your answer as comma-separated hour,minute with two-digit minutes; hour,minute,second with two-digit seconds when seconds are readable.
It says 9,51
